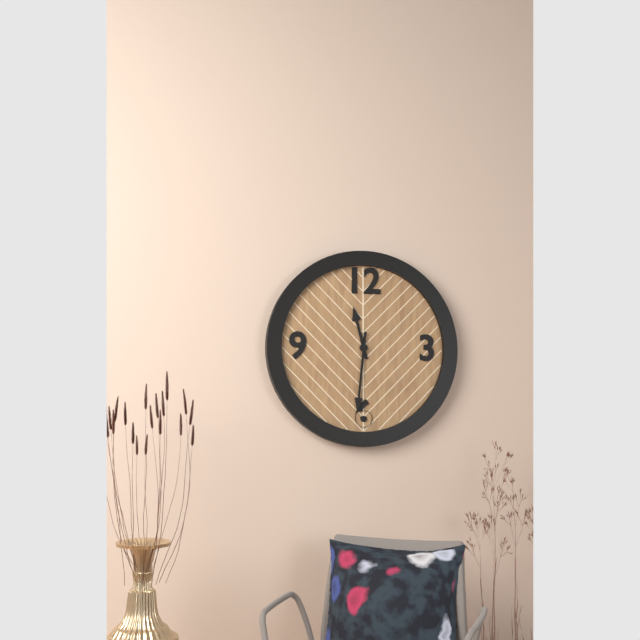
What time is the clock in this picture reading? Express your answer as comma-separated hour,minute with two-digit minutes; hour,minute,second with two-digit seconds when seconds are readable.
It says 11,31
